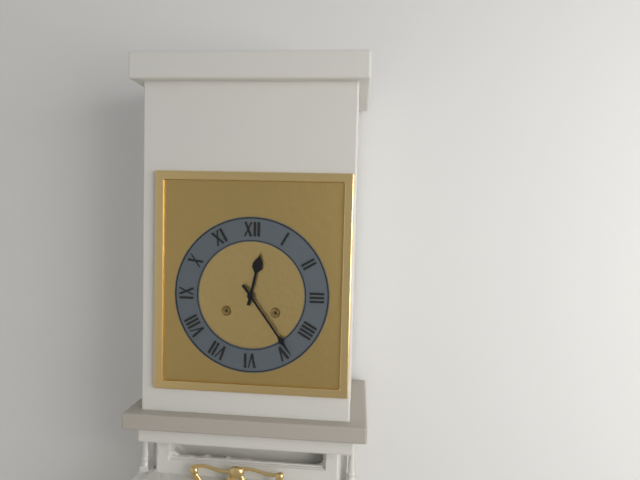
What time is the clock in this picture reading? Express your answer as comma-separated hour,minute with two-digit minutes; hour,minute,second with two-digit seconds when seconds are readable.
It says 12,24
